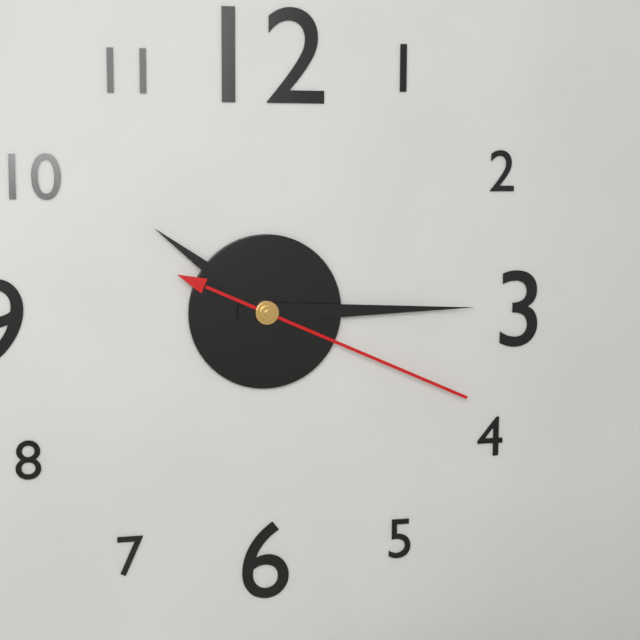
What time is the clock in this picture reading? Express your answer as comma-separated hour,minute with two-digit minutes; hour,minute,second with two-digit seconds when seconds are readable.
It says 10,15,19
